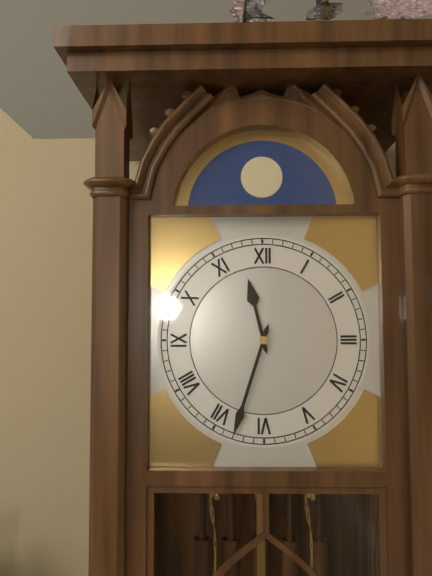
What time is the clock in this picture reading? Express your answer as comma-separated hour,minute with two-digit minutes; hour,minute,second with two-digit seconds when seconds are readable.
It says 11,33
